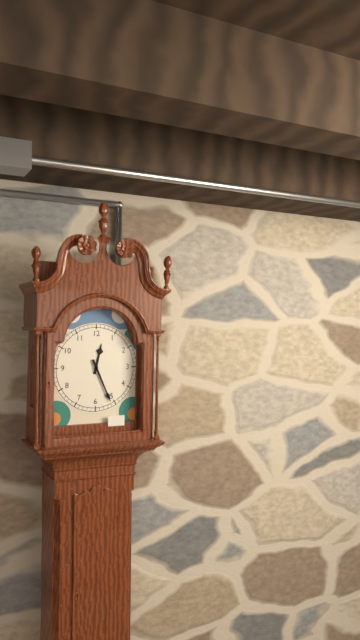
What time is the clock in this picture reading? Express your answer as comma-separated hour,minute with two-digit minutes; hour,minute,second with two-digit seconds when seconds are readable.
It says 12,26
